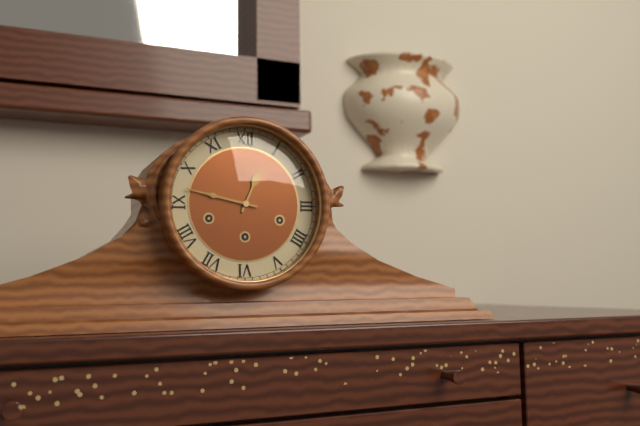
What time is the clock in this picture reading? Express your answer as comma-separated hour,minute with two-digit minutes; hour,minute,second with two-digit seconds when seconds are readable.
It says 12,47
